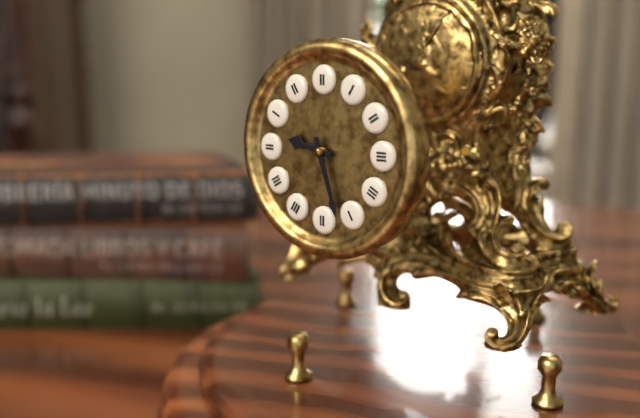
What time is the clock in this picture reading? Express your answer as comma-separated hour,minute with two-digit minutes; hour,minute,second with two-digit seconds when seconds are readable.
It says 9,27
